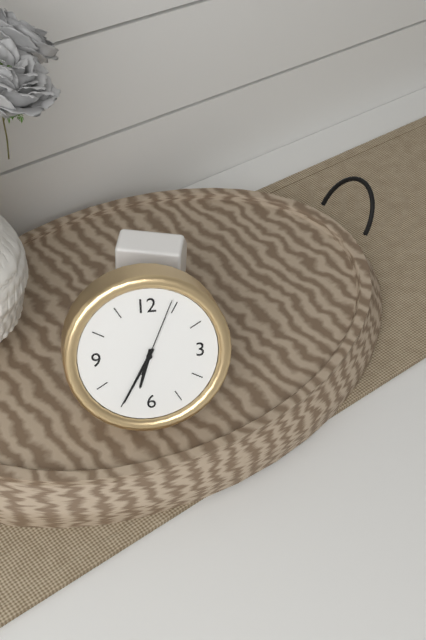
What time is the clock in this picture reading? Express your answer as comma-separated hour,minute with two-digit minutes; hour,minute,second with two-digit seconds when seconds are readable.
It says 6,35,04
